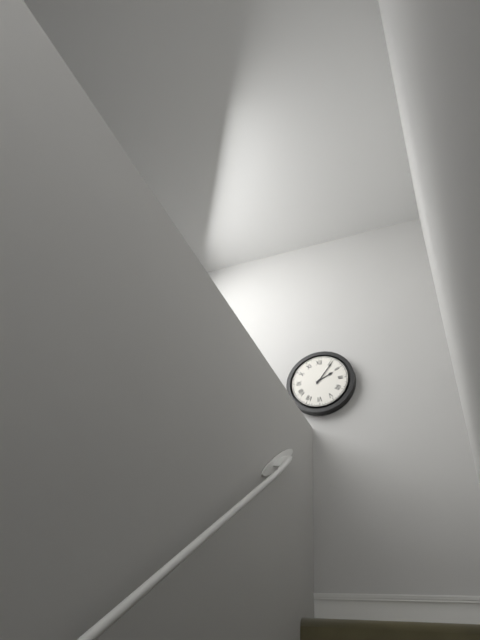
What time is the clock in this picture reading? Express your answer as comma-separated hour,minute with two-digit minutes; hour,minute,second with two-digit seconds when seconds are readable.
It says 2,06
